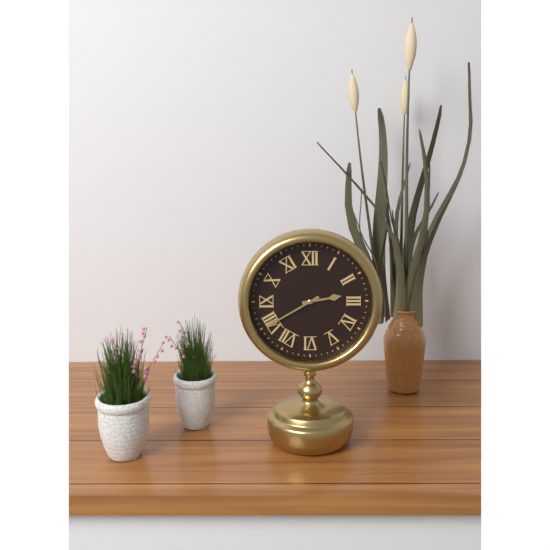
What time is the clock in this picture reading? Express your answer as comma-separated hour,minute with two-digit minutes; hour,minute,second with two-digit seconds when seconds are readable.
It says 2,40
